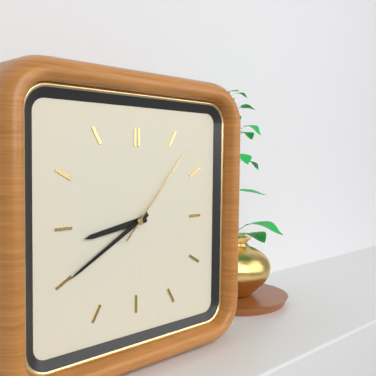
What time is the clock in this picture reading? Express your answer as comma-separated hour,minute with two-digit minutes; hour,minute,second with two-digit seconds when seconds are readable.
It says 8,40,07
